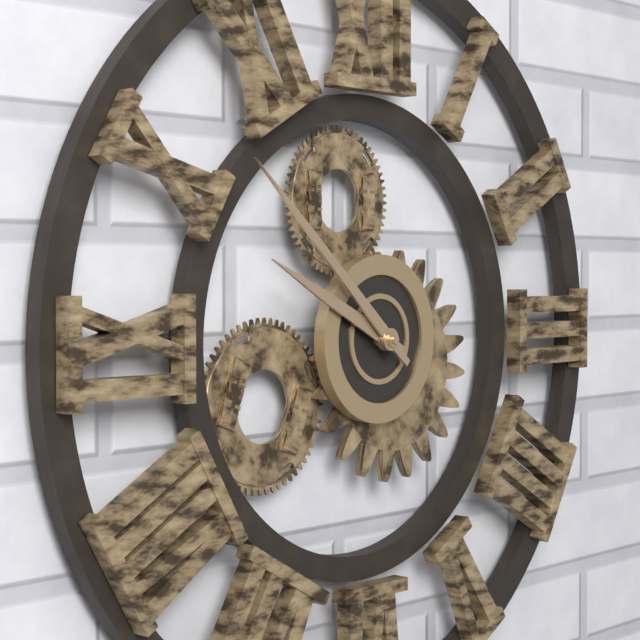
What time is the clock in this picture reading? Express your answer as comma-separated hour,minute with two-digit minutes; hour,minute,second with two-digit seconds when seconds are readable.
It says 9,52
